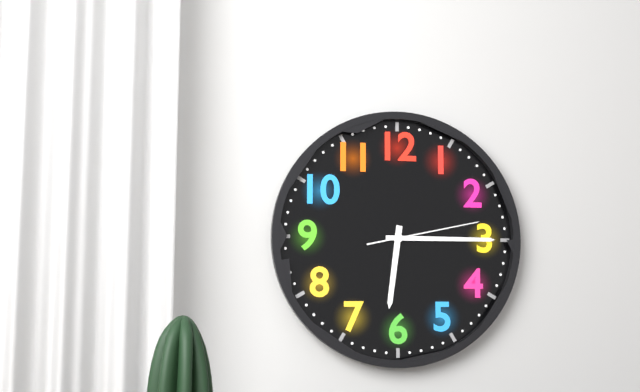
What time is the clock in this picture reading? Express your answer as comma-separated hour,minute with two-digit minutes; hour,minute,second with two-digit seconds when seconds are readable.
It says 6,15,13
